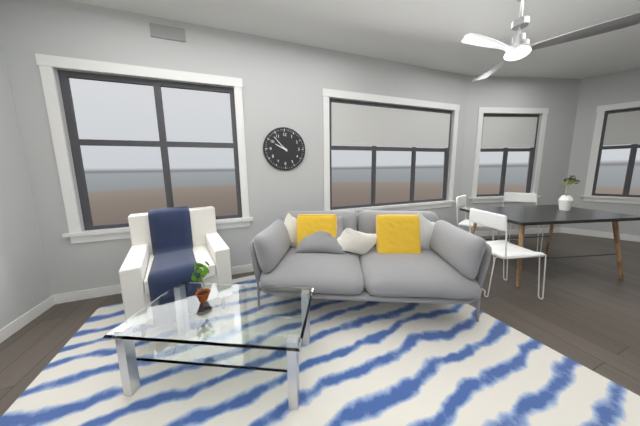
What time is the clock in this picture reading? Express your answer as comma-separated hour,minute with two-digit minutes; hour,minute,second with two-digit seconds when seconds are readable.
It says 9,53
